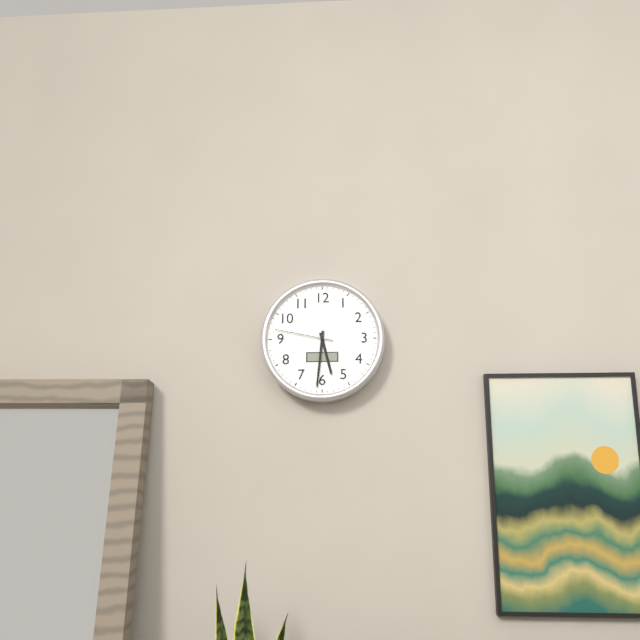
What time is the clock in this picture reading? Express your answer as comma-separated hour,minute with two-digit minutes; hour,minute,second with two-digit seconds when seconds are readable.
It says 5,31,47
